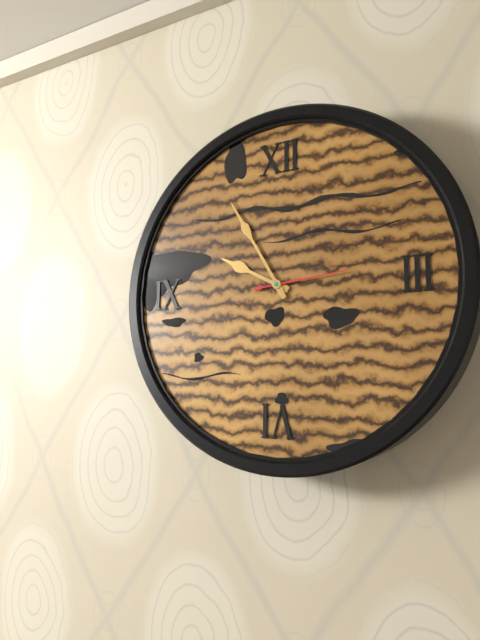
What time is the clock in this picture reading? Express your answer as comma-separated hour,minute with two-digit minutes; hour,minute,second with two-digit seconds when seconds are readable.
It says 9,55,14
